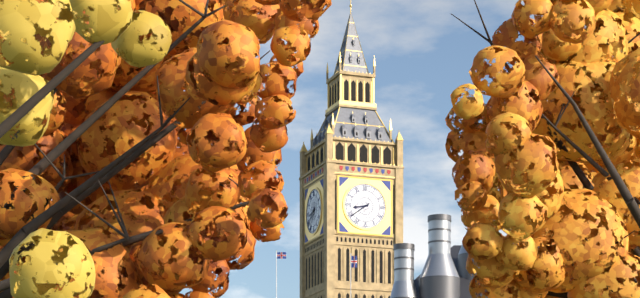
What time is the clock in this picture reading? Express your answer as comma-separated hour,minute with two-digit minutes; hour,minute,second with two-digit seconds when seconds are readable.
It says 8,39
